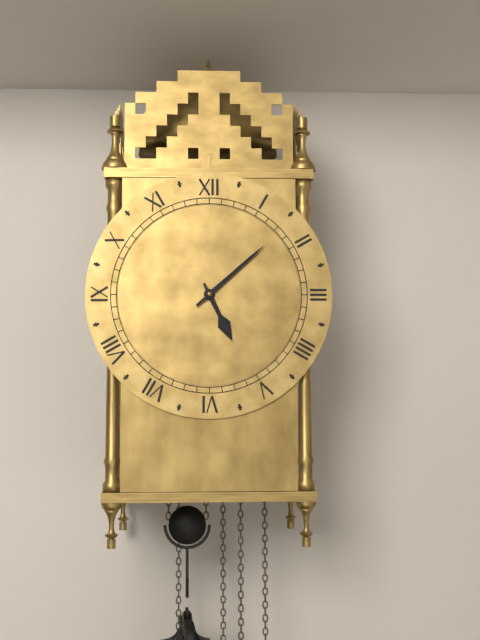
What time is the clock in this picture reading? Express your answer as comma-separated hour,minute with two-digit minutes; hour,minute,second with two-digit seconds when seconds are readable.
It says 5,08
